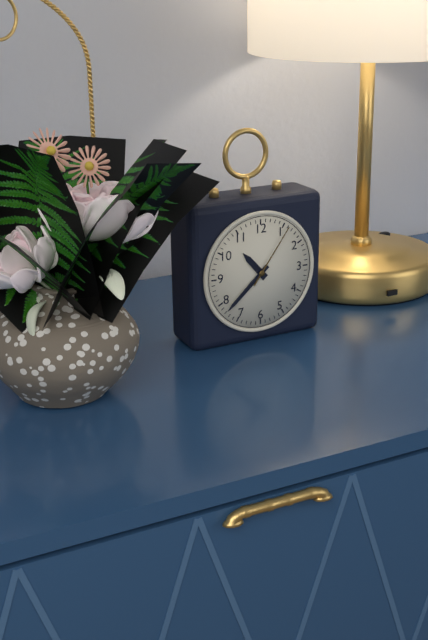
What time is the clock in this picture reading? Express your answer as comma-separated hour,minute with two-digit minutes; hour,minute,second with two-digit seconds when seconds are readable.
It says 10,38,06
